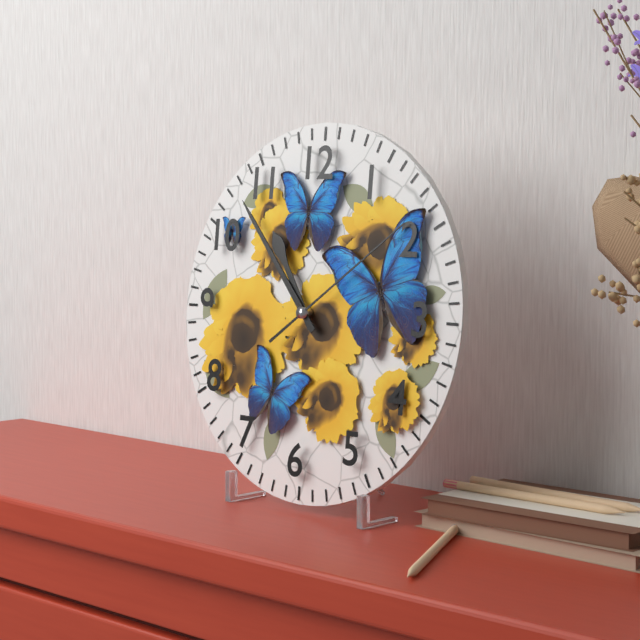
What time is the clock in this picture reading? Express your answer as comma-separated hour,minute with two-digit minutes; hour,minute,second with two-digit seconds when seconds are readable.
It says 10,53,09
